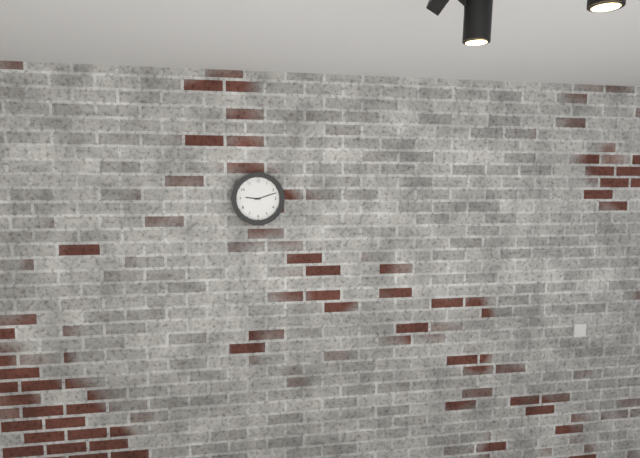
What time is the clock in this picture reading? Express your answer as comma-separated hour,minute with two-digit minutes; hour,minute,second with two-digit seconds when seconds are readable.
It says 9,12
